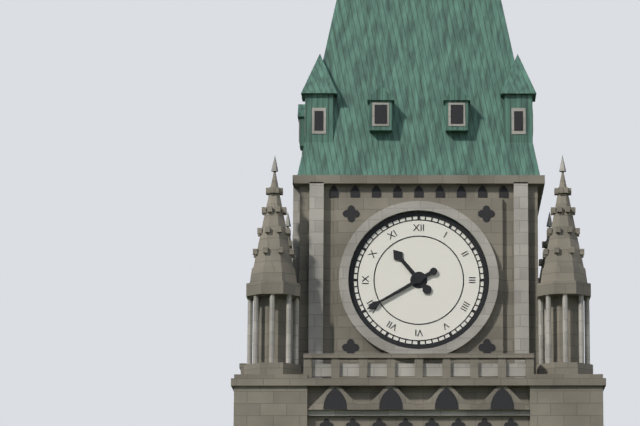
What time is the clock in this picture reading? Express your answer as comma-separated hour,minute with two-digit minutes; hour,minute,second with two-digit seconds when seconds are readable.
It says 10,40
